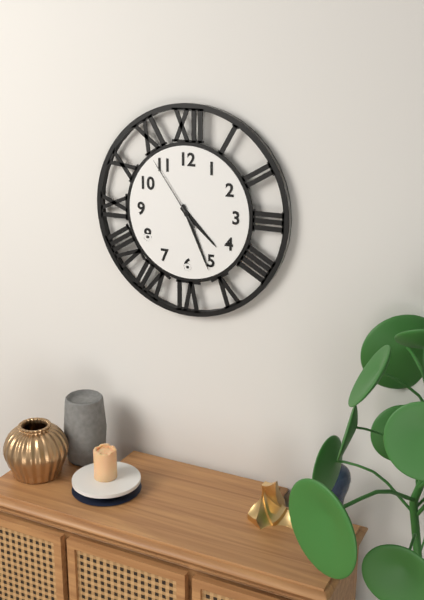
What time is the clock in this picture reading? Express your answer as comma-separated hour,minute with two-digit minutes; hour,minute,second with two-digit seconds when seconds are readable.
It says 4,26,54
